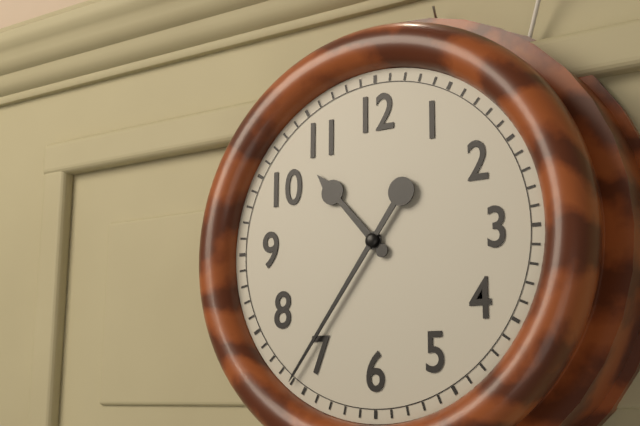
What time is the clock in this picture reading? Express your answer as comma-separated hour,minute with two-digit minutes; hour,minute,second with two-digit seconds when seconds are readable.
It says 10,36
